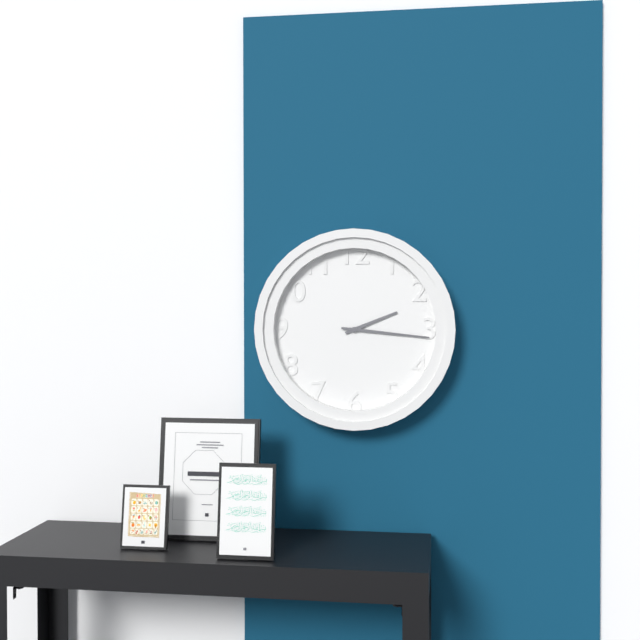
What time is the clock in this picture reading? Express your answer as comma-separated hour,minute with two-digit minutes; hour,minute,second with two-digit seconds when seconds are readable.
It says 2,16
